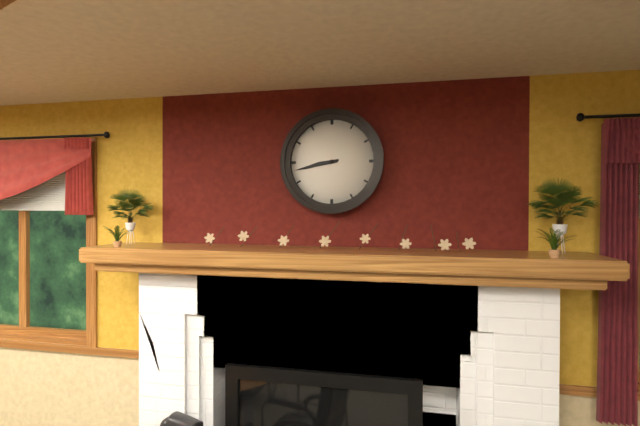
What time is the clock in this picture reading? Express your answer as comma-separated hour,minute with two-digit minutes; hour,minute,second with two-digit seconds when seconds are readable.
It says 8,43
